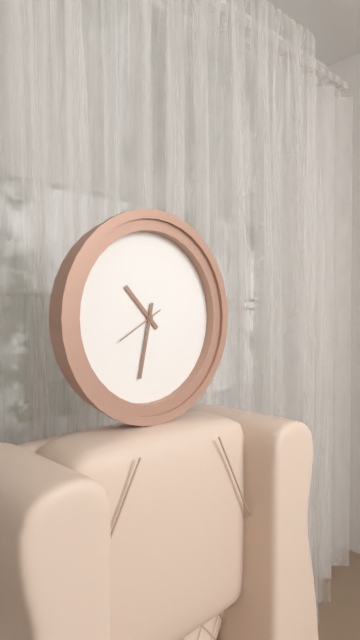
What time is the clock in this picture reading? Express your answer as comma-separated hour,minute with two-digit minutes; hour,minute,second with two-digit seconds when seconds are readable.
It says 10,32
